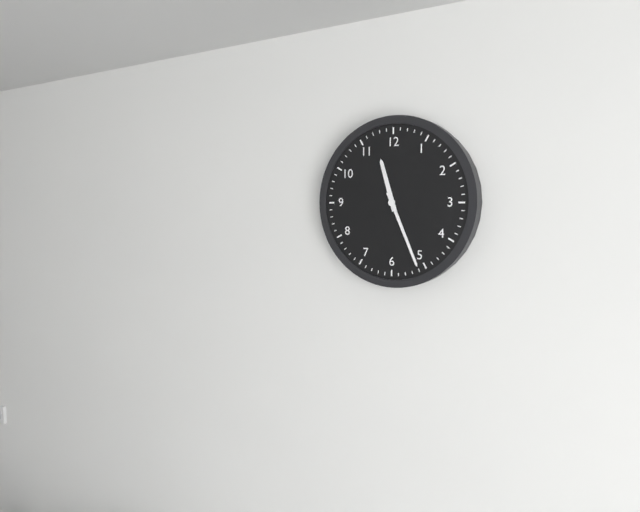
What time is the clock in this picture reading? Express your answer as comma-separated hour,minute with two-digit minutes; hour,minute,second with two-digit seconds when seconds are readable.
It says 11,26
